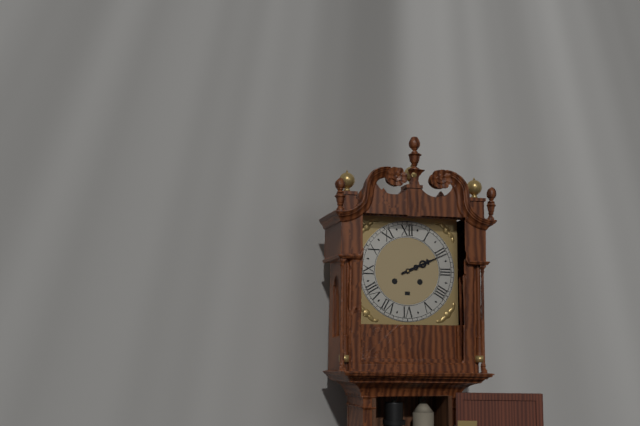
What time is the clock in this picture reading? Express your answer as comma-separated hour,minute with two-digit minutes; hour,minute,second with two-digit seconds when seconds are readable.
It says 2,11
